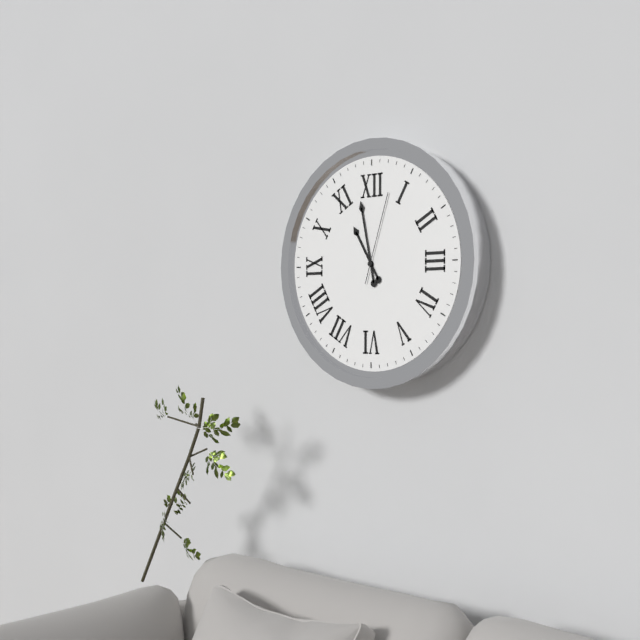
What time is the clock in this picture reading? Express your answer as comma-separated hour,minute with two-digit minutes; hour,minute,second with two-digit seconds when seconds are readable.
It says 10,58,03
